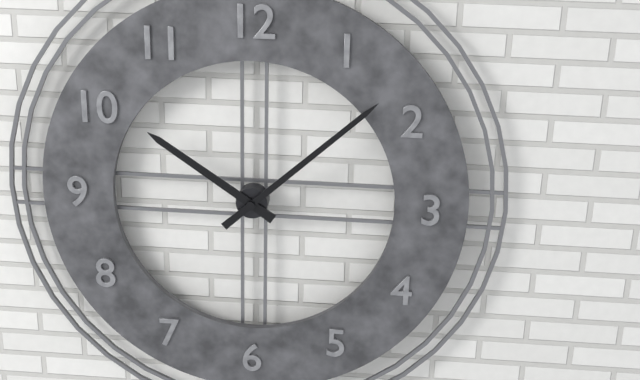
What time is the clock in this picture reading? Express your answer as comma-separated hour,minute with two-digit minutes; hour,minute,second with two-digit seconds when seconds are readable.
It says 10,08
